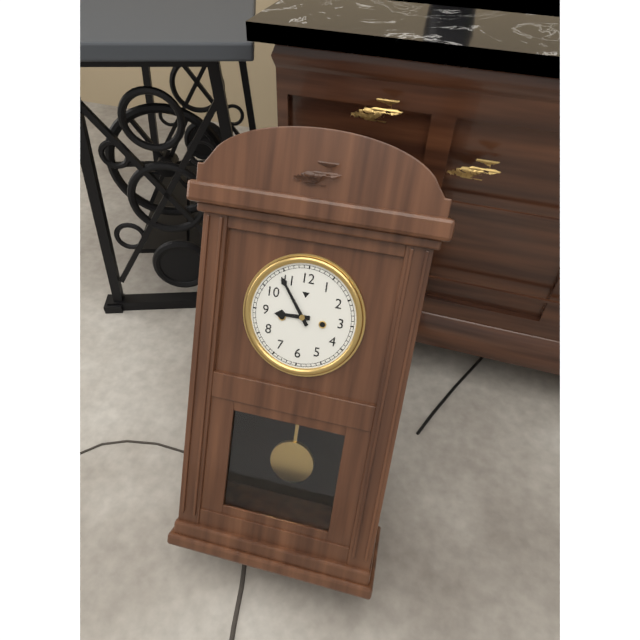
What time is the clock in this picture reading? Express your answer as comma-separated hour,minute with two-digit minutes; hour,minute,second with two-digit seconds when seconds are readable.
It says 8,54
